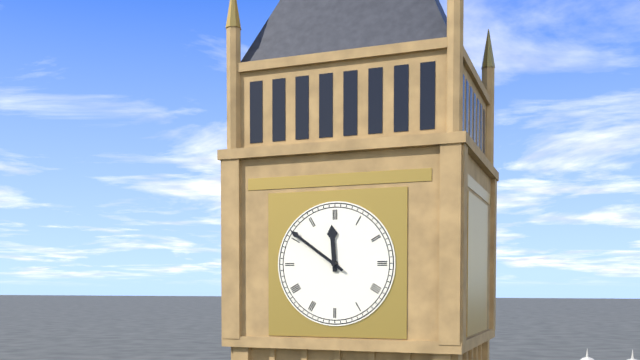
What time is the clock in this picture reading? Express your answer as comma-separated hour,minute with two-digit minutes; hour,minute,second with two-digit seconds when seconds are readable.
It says 11,51
